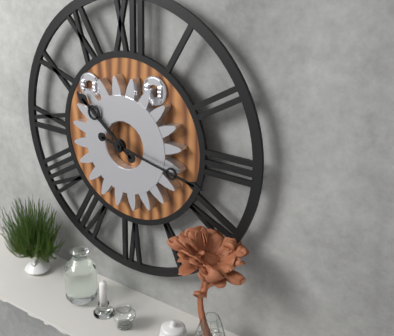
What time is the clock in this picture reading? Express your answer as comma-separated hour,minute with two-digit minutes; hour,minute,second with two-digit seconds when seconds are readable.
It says 10,17
